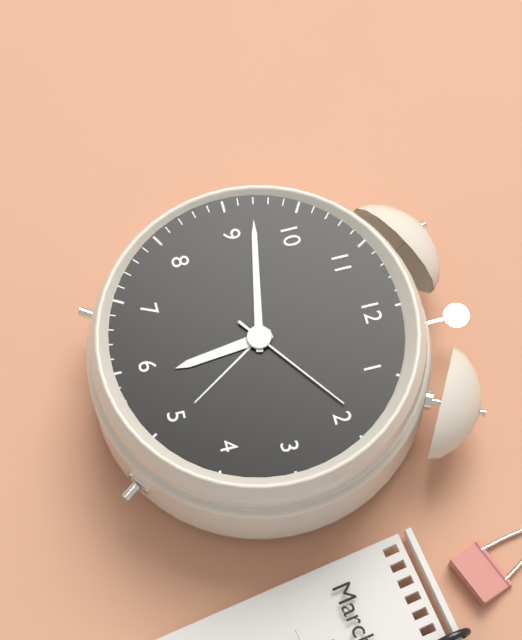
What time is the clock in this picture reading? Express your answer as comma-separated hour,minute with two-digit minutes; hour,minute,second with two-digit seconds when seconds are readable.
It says 5,47,09
